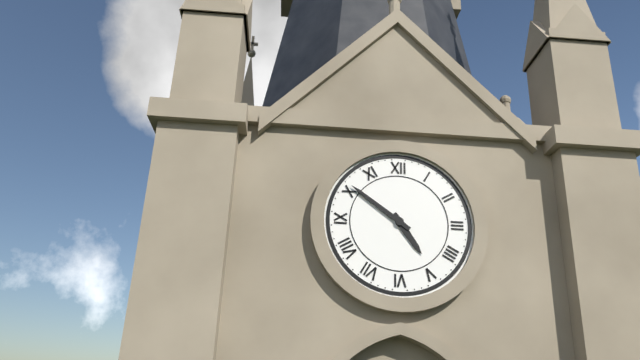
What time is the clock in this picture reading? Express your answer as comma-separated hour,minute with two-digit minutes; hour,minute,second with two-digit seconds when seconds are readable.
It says 4,51
